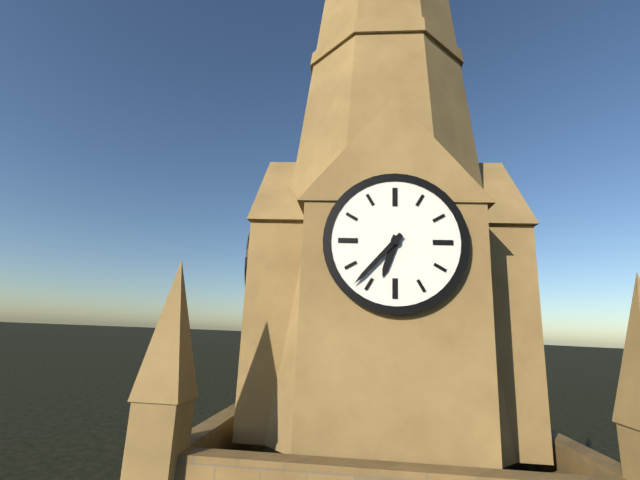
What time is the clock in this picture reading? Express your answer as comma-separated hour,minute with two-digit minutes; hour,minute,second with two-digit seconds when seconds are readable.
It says 6,37
